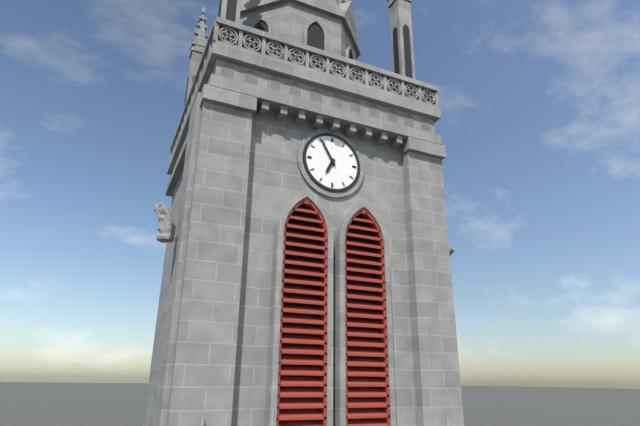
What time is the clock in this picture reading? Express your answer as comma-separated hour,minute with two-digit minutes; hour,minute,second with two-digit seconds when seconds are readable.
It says 6,55
